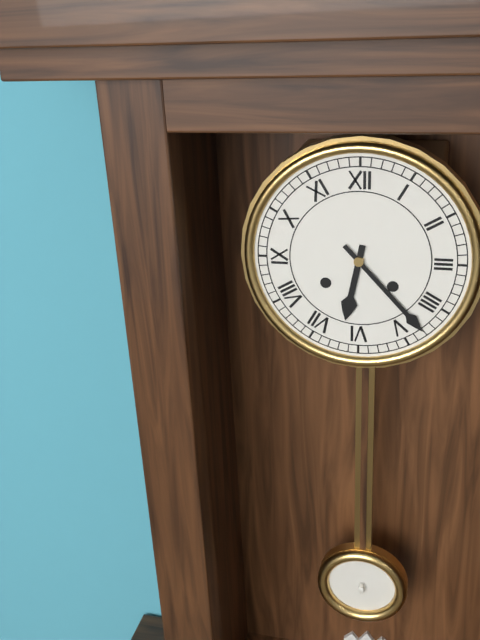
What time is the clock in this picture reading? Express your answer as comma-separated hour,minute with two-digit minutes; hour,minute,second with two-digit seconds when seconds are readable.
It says 6,23
